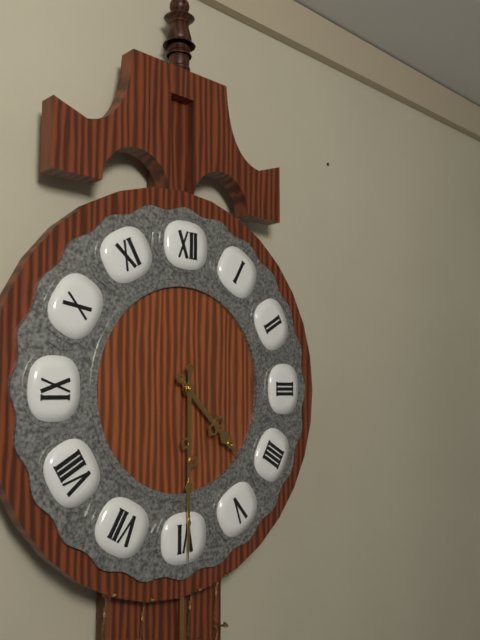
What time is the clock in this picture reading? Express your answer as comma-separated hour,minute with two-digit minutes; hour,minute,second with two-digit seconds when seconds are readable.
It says 4,30
